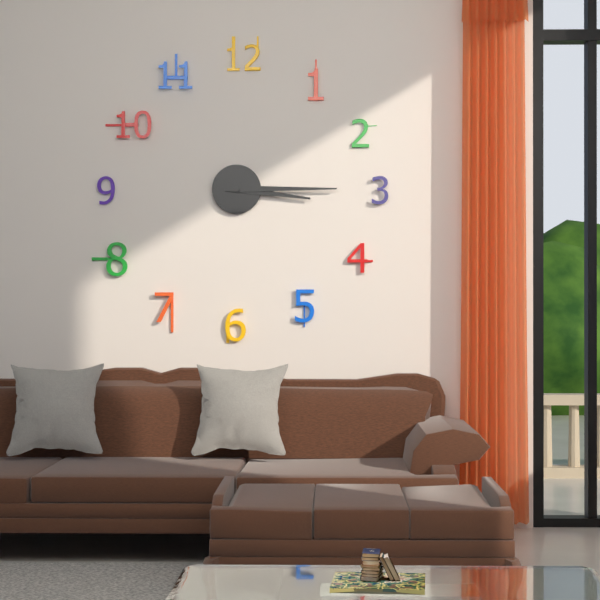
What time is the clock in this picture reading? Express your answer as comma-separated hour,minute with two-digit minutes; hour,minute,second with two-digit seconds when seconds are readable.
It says 3,15
